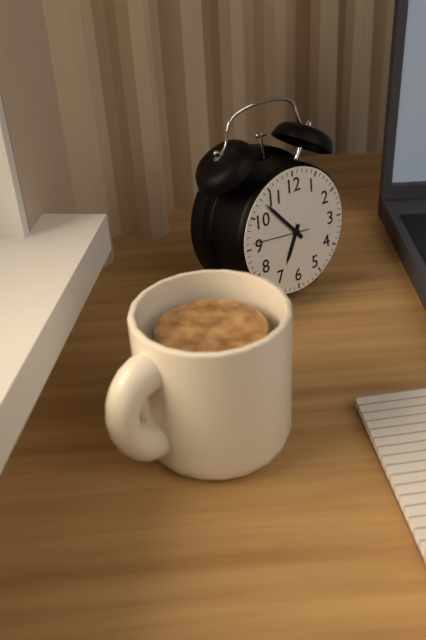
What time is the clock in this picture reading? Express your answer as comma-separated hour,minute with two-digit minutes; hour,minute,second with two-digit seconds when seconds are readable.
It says 6,53,46
